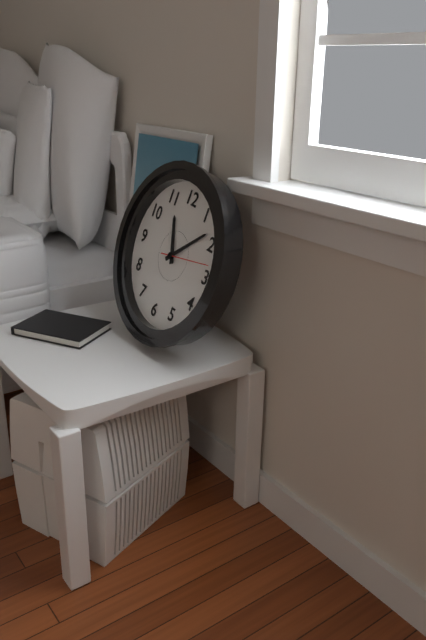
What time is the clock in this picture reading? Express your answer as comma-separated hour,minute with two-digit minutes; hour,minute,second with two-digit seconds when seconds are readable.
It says 11,08
